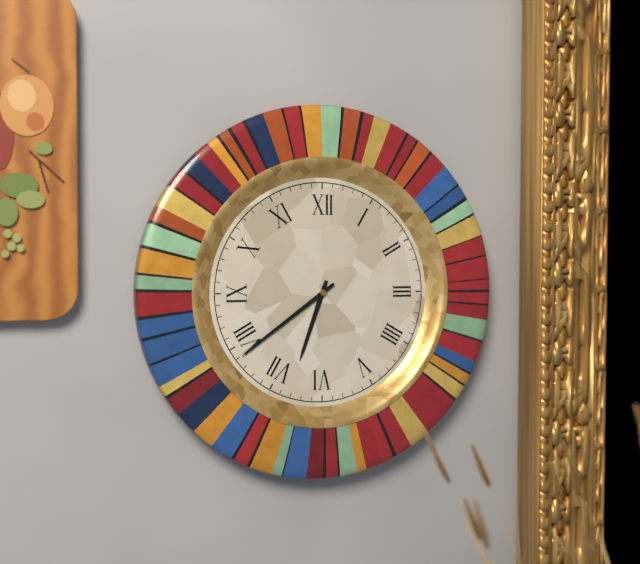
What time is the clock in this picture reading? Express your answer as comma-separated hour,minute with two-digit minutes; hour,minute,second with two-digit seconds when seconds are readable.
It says 6,39
